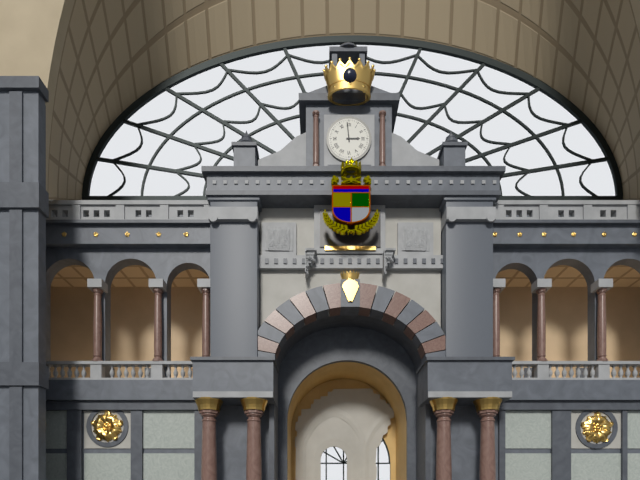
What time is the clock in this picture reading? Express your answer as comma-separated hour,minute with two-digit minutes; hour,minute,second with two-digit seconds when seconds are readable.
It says 2,59
